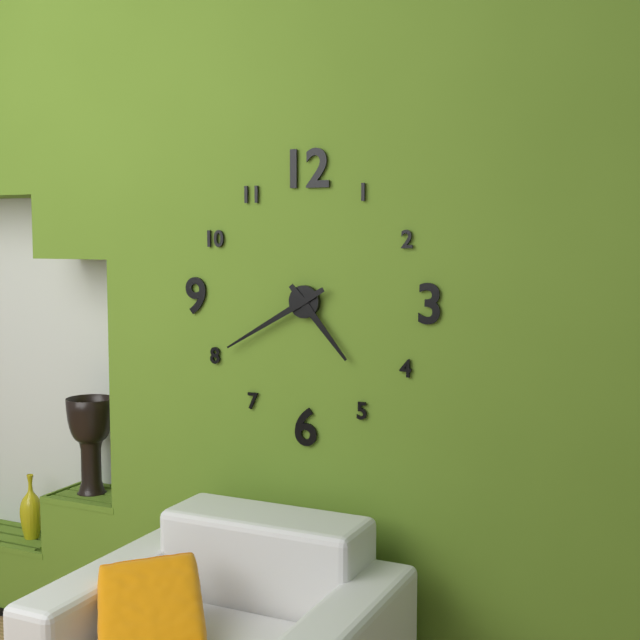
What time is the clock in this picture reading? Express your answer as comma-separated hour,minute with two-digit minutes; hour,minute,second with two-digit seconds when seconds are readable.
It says 4,40
